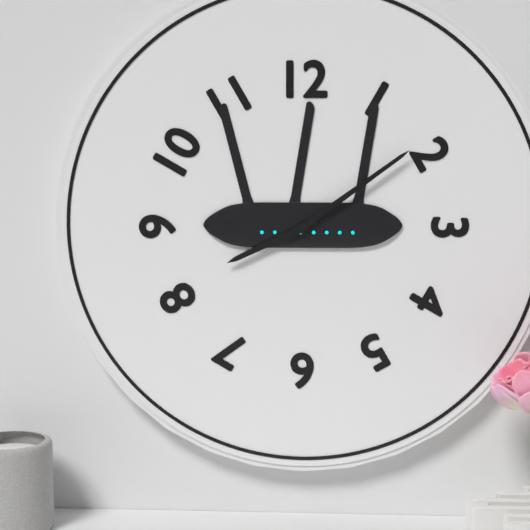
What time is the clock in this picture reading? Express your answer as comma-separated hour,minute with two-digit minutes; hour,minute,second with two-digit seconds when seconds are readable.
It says 8,09
